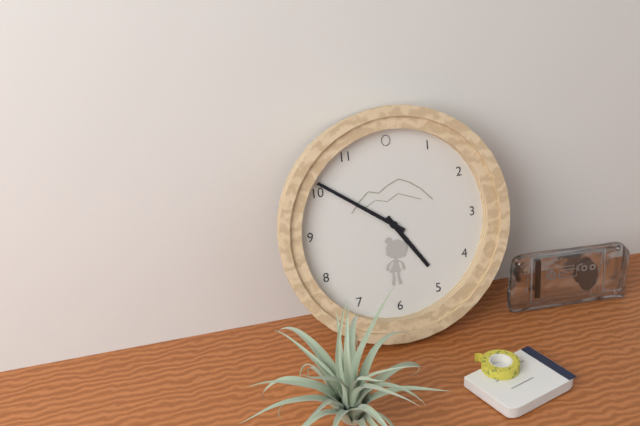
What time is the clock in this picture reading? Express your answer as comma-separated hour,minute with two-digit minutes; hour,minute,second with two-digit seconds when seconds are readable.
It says 4,51
